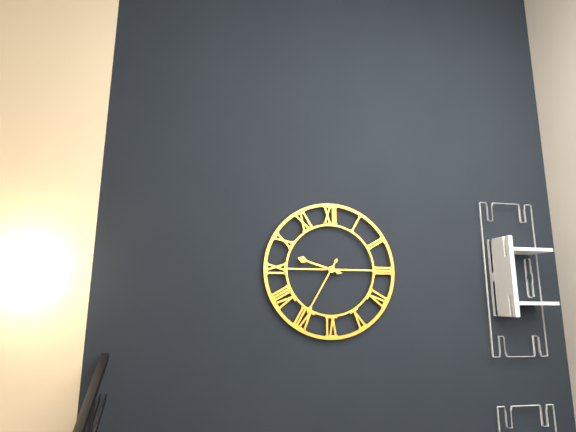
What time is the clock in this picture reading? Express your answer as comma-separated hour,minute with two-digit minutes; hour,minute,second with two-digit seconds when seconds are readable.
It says 9,35
